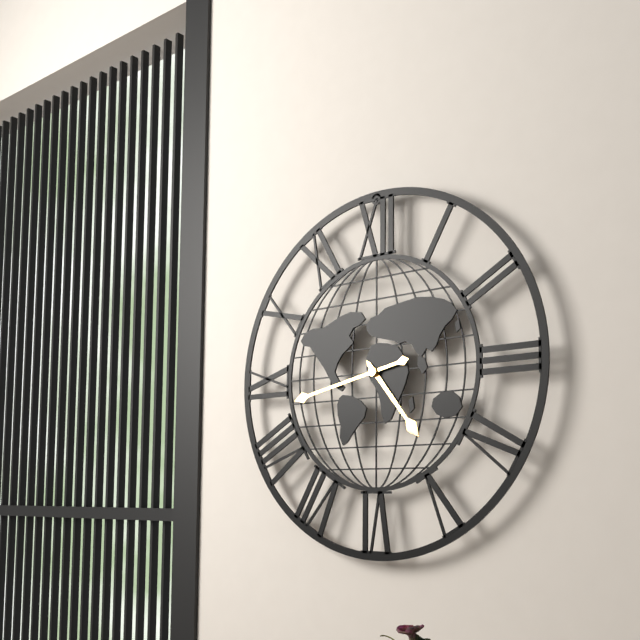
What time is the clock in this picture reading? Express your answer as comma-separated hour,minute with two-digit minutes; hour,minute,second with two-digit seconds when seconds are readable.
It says 4,43
